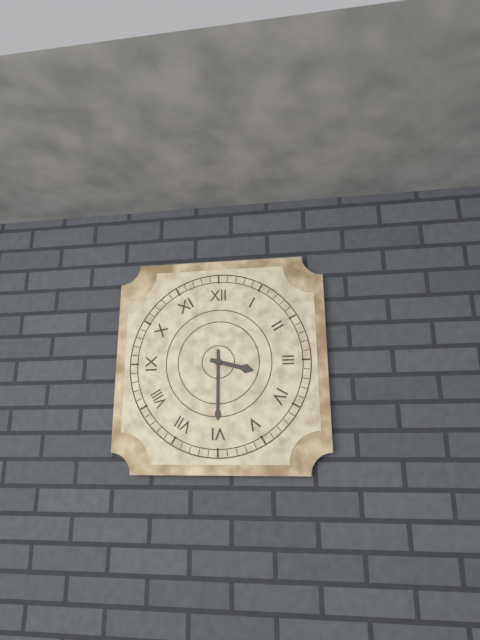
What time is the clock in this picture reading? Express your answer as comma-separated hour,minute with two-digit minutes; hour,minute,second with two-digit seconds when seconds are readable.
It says 3,30
